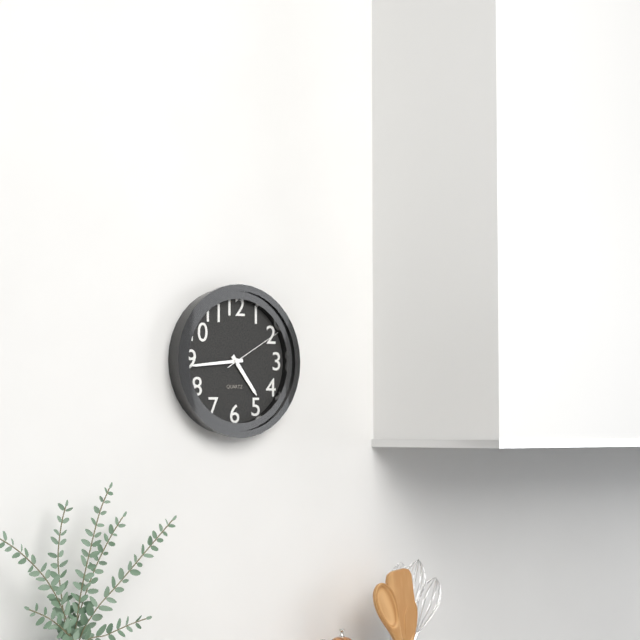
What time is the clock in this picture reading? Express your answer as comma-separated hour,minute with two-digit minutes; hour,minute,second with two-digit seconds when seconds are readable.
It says 4,44,10
